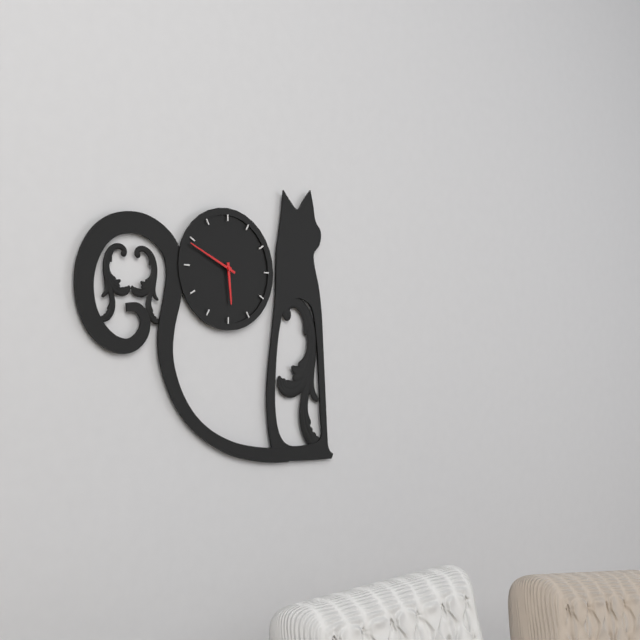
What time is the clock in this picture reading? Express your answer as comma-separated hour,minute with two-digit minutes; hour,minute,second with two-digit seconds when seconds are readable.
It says 5,49
